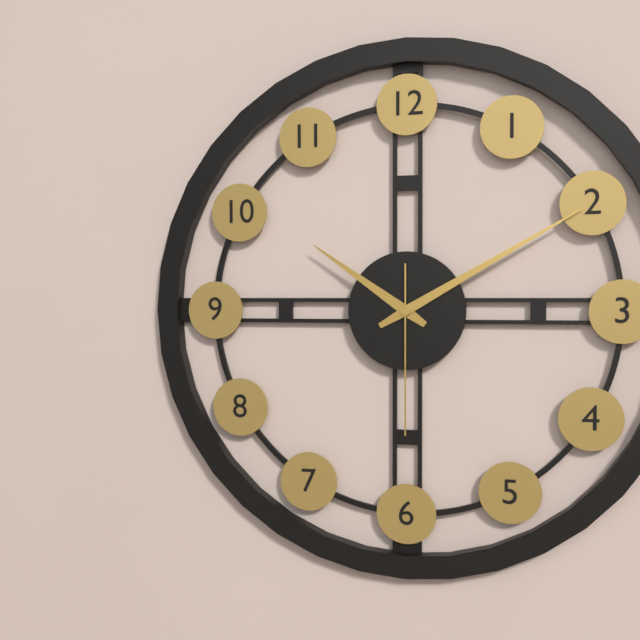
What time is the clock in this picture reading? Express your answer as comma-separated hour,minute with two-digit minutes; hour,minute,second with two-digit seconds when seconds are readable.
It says 10,10,30
